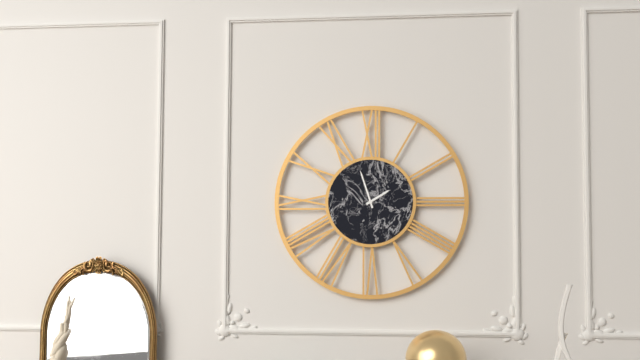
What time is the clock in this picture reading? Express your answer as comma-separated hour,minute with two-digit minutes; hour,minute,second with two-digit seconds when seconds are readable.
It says 1,57
